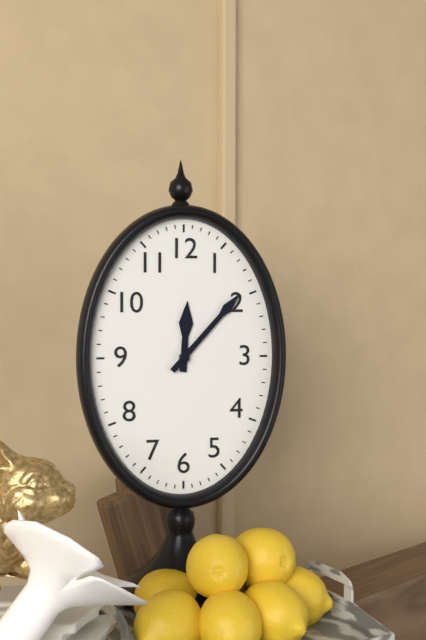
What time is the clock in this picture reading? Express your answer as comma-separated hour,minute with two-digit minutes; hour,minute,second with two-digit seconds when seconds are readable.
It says 12,07
